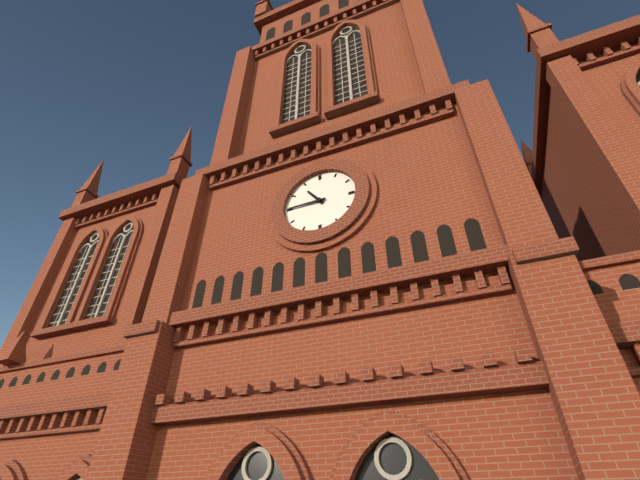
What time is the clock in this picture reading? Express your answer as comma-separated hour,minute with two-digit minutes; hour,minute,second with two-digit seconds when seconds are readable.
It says 10,45
